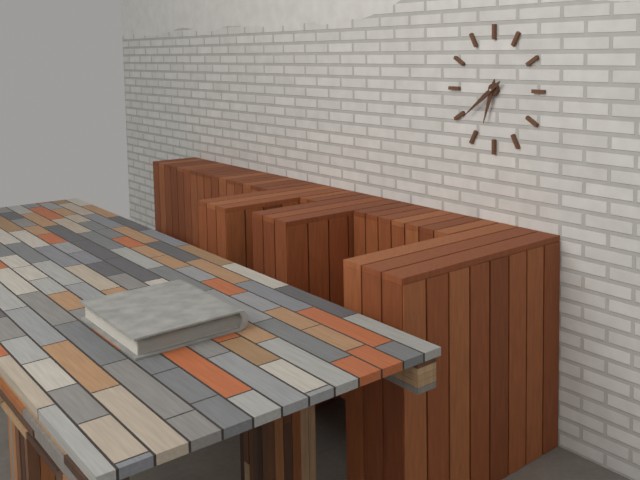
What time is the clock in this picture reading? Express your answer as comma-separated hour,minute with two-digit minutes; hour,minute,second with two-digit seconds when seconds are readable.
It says 6,39
